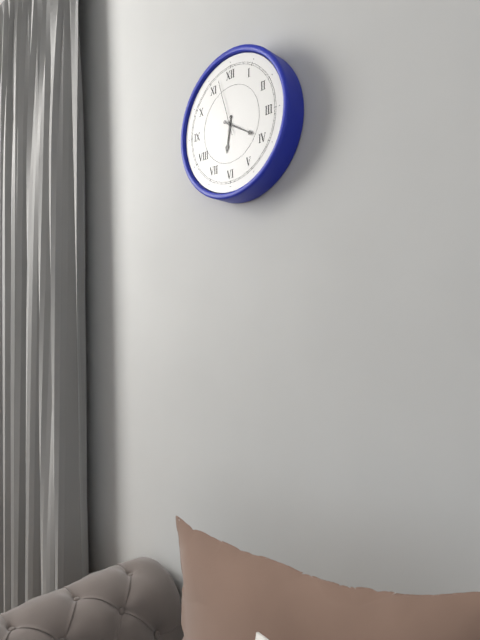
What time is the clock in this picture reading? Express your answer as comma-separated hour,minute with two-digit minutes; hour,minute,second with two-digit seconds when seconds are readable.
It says 6,20,57
